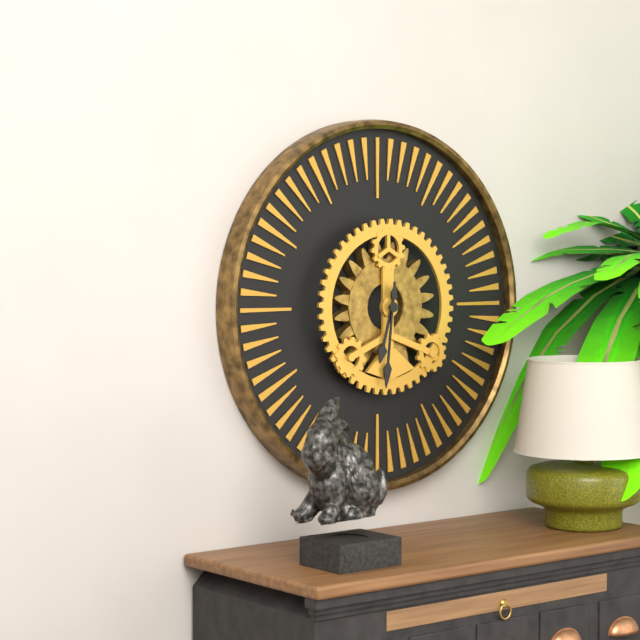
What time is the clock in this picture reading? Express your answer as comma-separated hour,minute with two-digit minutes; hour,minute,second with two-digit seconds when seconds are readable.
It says 6,31
